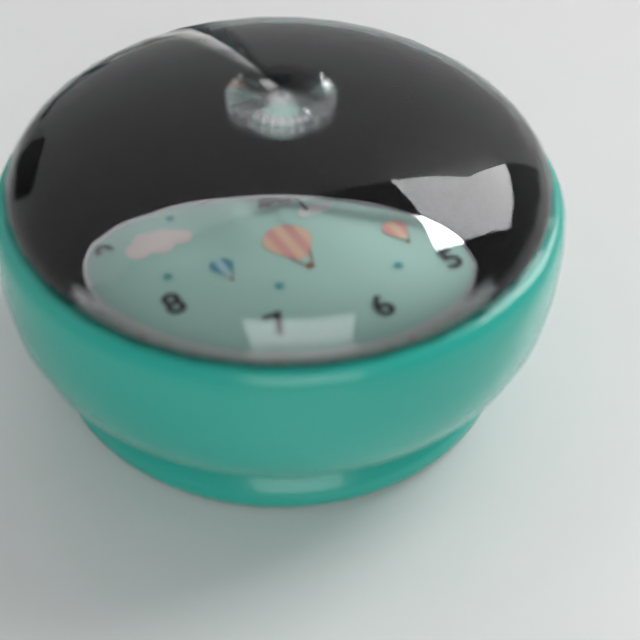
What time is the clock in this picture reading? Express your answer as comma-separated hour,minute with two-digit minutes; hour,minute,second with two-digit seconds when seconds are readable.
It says 2,22,00
